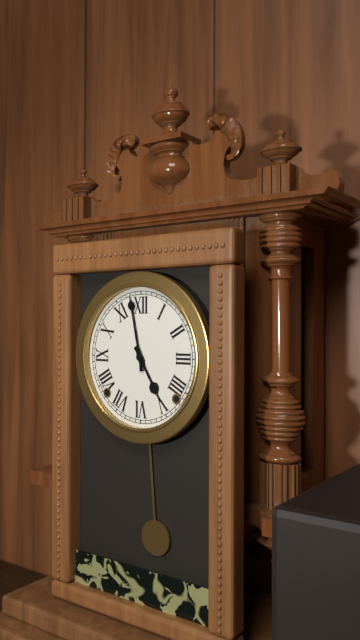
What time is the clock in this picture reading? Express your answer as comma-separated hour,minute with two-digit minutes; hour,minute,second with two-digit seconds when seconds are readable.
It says 4,58
